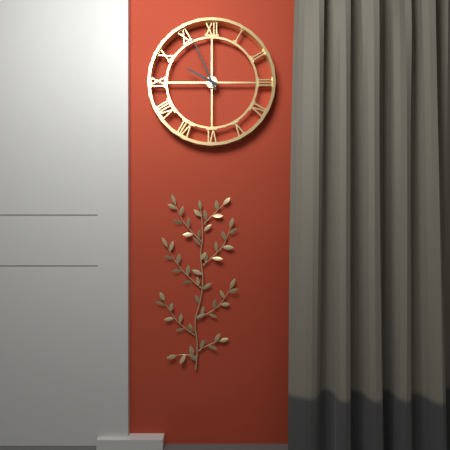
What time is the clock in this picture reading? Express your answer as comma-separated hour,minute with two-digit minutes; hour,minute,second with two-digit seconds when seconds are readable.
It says 9,56
